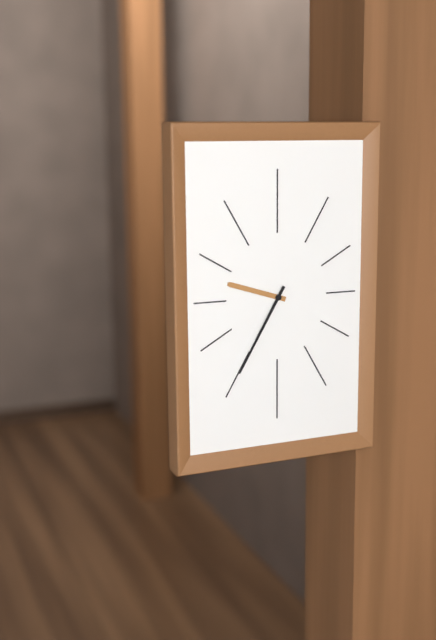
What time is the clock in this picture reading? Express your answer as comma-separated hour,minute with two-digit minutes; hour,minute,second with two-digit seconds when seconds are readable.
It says 9,35
